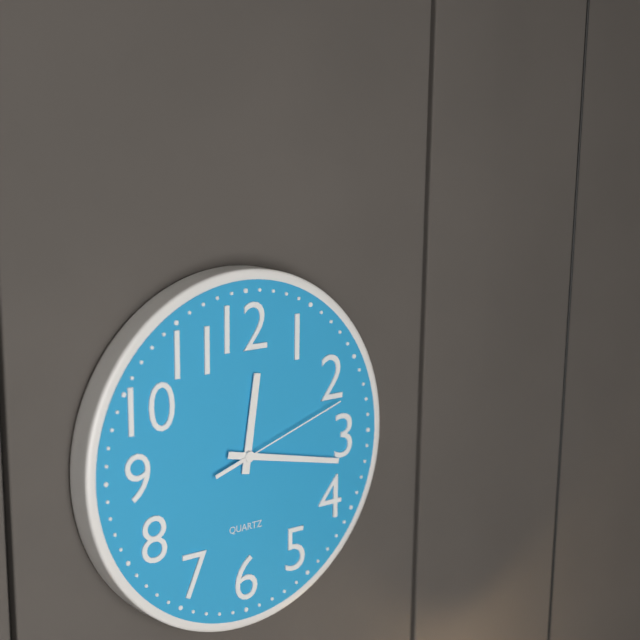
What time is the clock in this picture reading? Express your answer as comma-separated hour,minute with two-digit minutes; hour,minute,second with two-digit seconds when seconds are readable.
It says 12,17,12
